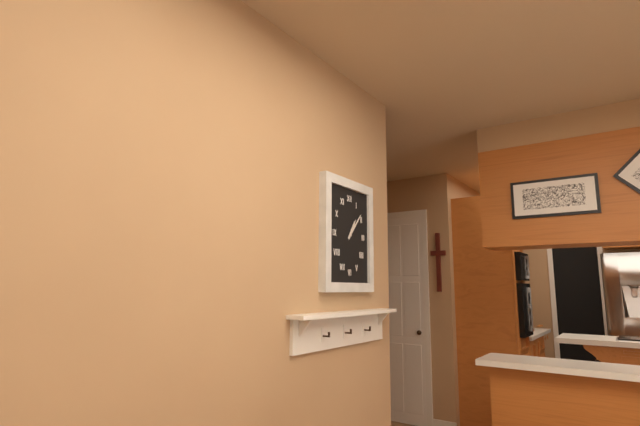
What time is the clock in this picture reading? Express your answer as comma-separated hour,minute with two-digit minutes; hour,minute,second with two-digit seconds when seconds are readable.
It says 1,07
